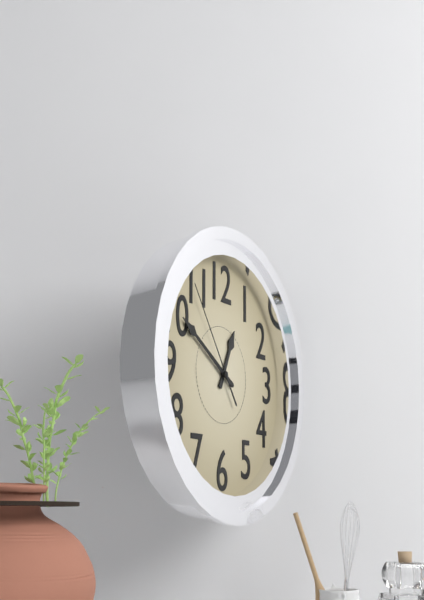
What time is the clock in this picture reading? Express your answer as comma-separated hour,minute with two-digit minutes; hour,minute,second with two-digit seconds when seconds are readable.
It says 12,50,54
